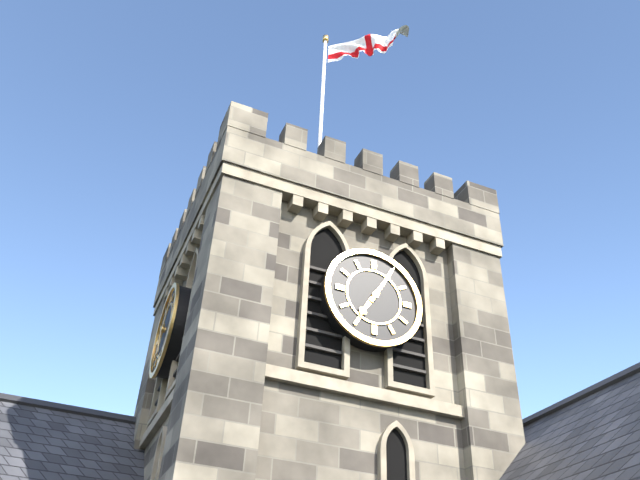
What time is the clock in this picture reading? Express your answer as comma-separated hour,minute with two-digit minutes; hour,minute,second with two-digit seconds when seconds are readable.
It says 7,05
